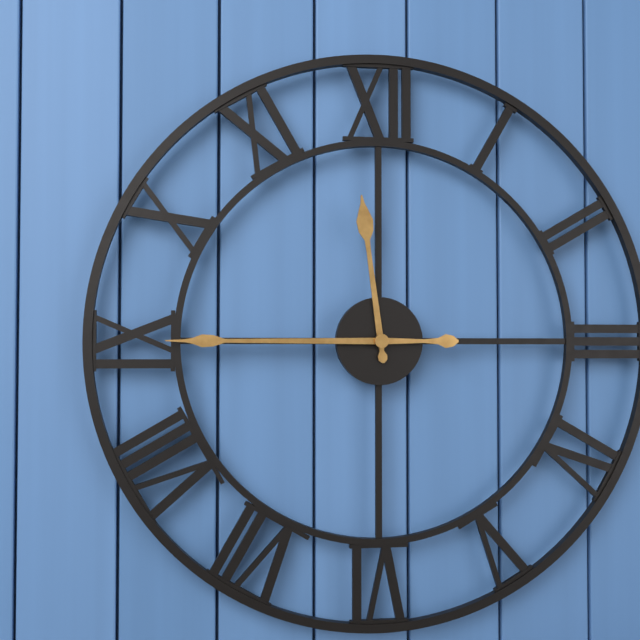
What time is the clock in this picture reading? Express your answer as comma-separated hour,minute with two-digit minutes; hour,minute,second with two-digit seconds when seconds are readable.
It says 11,45
